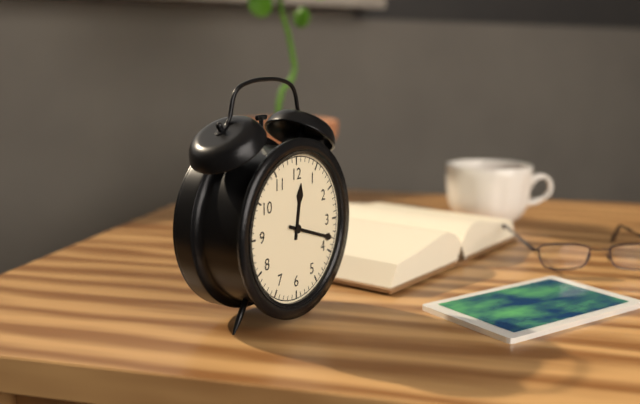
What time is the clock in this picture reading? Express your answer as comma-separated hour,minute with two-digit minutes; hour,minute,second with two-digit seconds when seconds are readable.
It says 12,18
